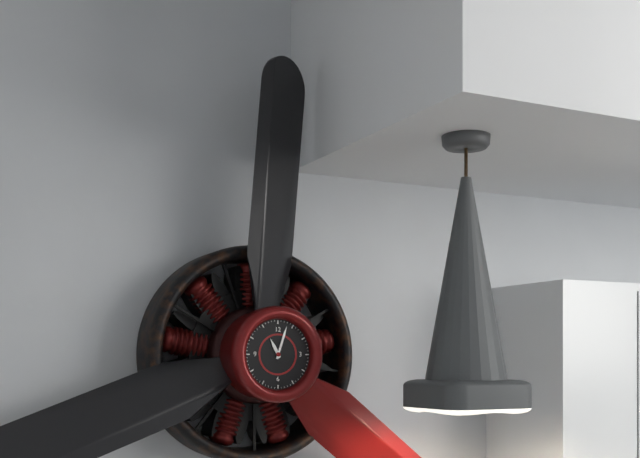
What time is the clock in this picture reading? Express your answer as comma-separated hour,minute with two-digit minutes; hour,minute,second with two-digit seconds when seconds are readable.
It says 11,03
